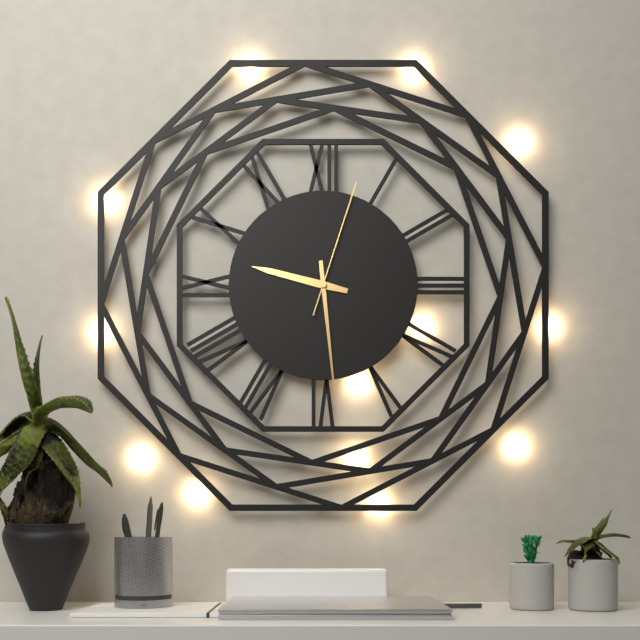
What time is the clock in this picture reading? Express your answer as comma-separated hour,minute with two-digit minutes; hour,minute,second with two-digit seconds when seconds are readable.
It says 9,29,03
